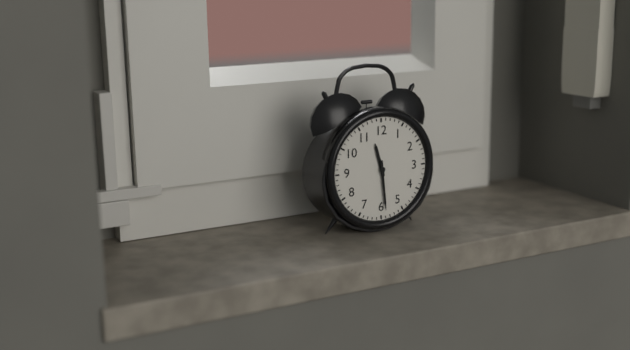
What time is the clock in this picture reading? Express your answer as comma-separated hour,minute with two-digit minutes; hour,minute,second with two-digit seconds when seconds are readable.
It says 11,29
